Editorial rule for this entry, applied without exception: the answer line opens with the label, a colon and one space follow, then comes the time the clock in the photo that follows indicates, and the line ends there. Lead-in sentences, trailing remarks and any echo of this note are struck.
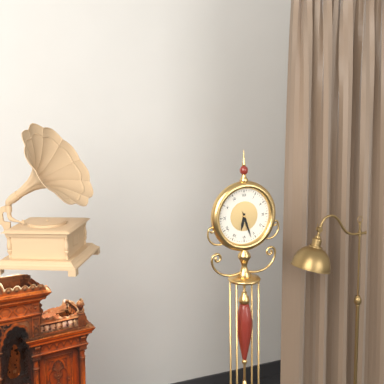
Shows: 6:27
